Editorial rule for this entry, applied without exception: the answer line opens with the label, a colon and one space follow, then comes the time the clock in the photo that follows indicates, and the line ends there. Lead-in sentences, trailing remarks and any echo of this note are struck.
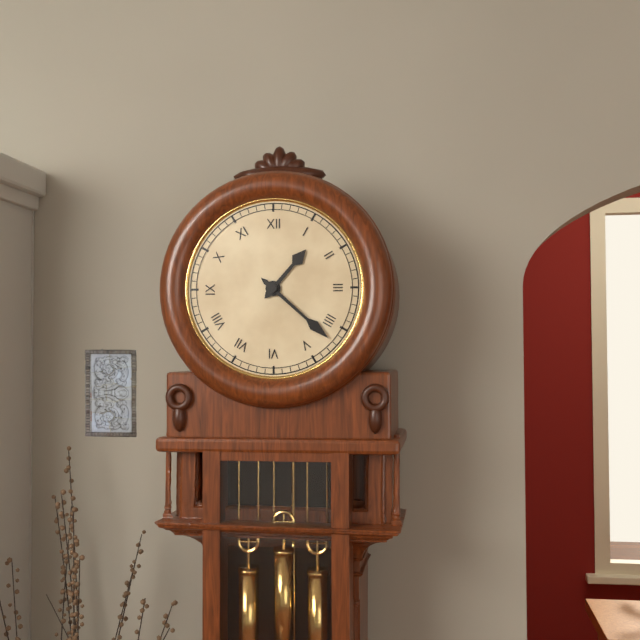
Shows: 1:22
